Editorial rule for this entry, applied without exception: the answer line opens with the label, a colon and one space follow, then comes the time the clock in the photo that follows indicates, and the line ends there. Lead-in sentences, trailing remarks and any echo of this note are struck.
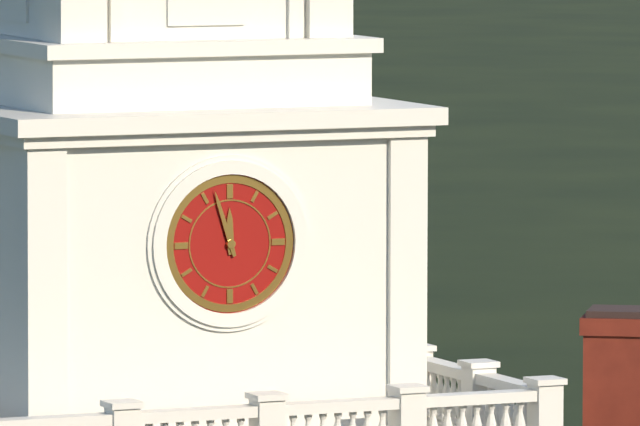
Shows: 11:57
